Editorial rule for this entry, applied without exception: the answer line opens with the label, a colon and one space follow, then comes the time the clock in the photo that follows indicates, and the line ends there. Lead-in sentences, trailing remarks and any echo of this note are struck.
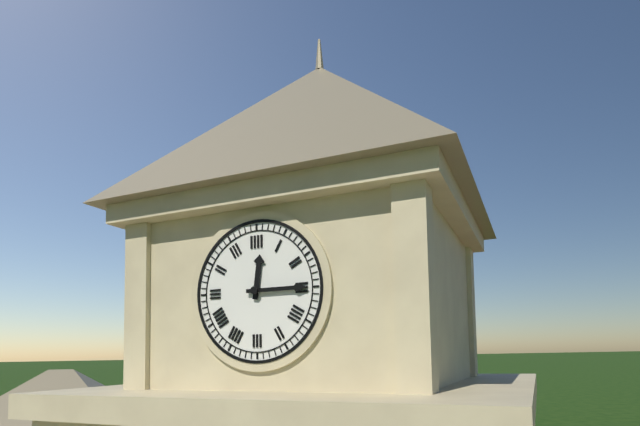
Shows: 12:15
